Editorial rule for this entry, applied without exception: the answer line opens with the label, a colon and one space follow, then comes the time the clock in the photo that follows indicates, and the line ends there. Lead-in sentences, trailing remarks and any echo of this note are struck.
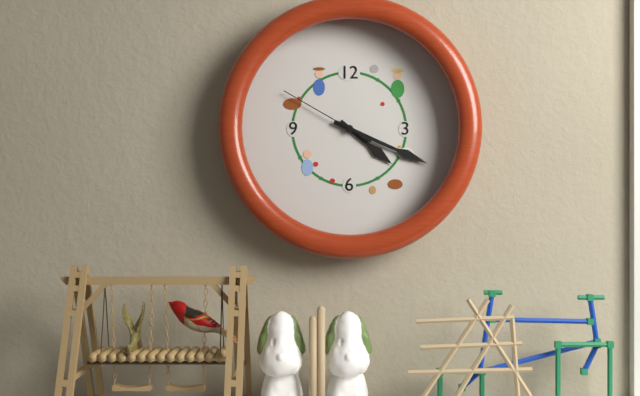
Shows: 4:19:50
